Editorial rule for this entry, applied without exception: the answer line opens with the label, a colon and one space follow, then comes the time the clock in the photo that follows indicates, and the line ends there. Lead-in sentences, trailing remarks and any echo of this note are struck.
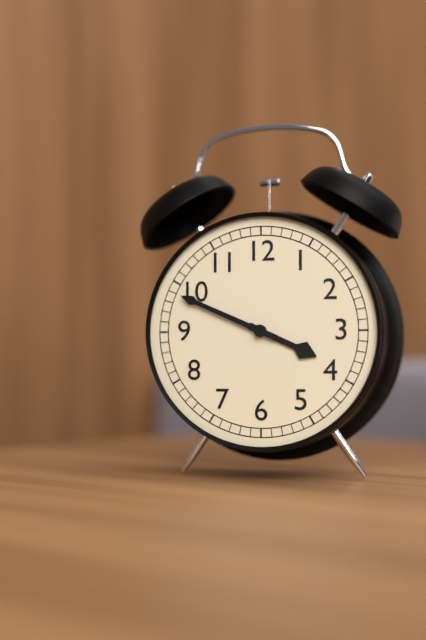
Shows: 3:49
